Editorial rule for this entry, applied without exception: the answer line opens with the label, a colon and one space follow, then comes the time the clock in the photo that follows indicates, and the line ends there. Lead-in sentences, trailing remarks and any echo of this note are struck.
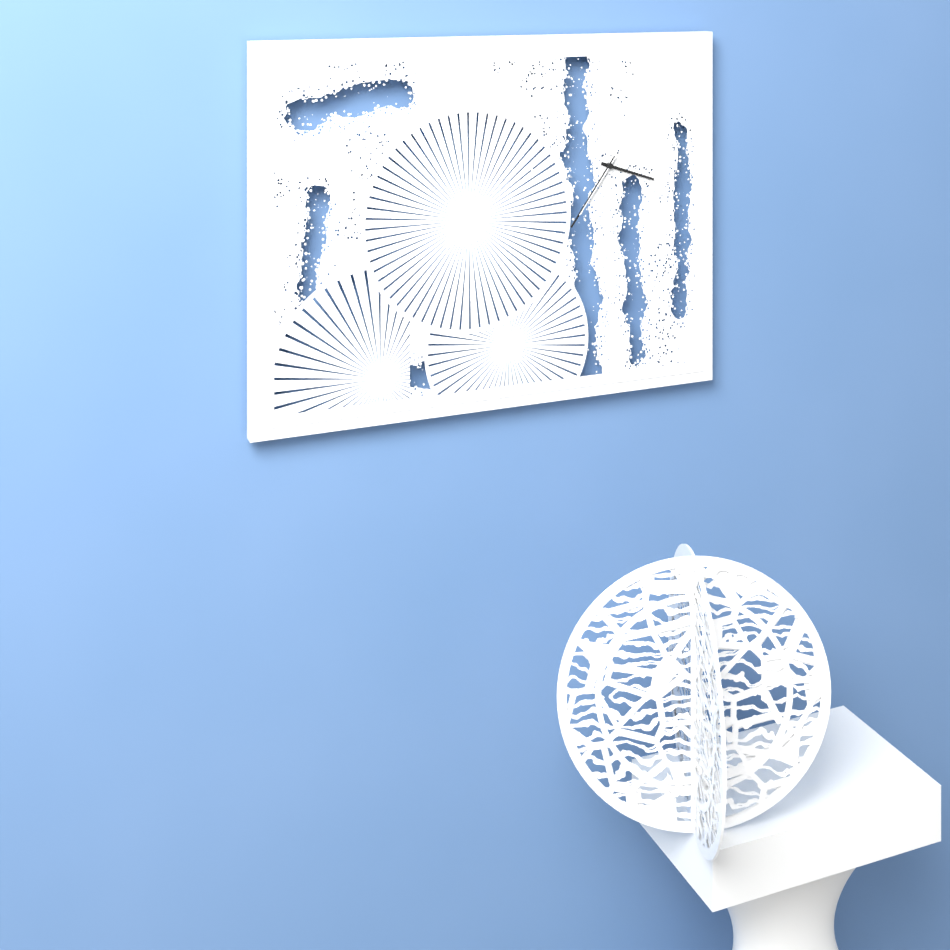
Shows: 3:36:36
